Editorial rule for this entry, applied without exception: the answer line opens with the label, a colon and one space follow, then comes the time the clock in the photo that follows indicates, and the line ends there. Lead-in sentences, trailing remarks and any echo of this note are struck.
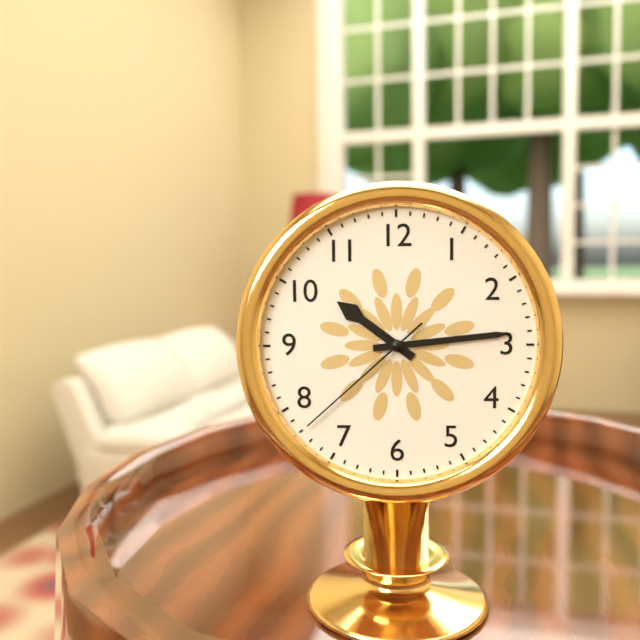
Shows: 10:14:38
